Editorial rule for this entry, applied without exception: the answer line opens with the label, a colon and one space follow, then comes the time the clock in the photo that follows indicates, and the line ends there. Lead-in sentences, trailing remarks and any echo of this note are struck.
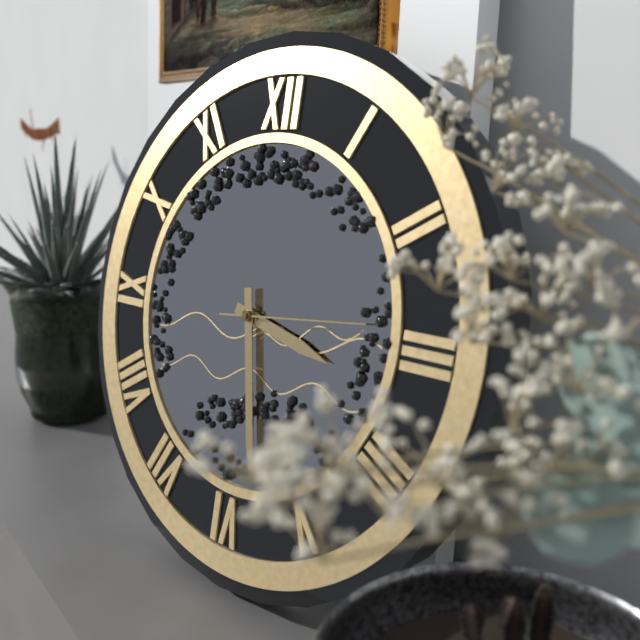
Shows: 3:28:14
